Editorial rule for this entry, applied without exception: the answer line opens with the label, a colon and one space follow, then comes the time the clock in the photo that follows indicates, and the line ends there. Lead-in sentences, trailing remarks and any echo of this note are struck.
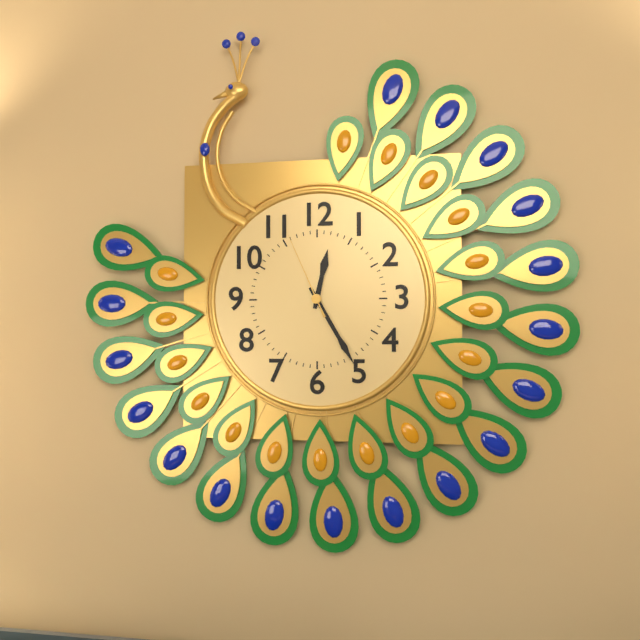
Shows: 12:25:56
